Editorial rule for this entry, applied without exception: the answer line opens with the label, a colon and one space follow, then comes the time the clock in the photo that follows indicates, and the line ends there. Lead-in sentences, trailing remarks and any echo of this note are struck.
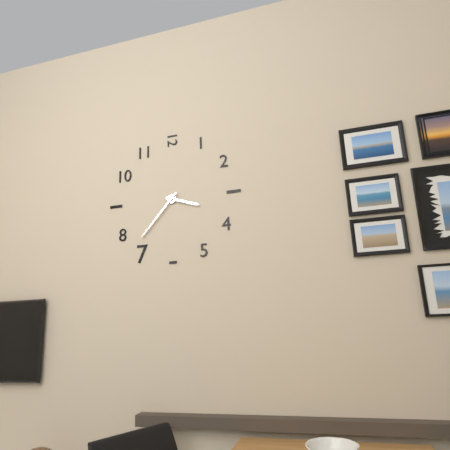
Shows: 3:37
